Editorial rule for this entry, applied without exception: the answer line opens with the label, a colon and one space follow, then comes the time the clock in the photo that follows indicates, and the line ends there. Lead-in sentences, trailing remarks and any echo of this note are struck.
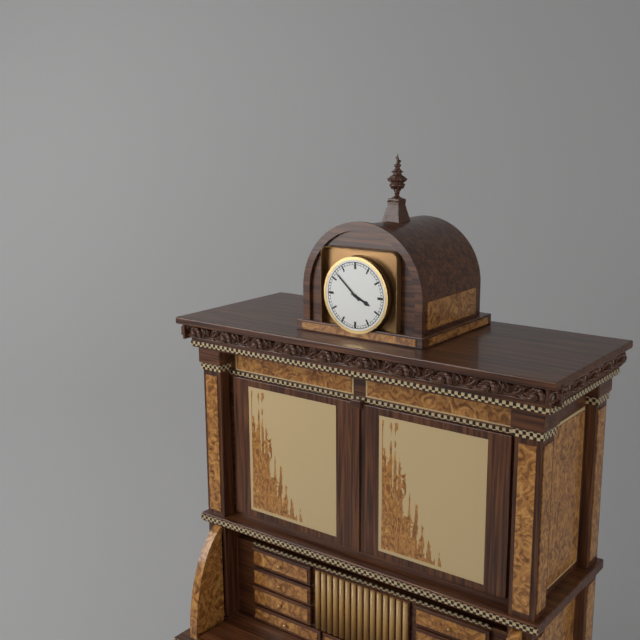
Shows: 3:52
